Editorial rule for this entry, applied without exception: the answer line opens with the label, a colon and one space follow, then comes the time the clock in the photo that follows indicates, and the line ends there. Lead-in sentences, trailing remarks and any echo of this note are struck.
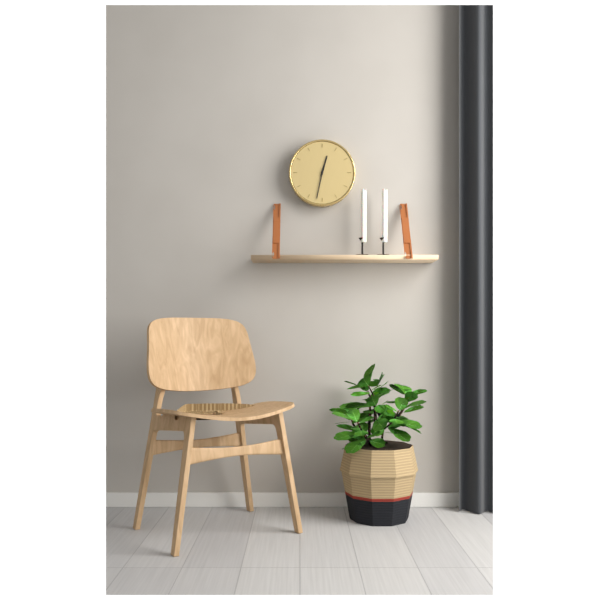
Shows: 12:32
